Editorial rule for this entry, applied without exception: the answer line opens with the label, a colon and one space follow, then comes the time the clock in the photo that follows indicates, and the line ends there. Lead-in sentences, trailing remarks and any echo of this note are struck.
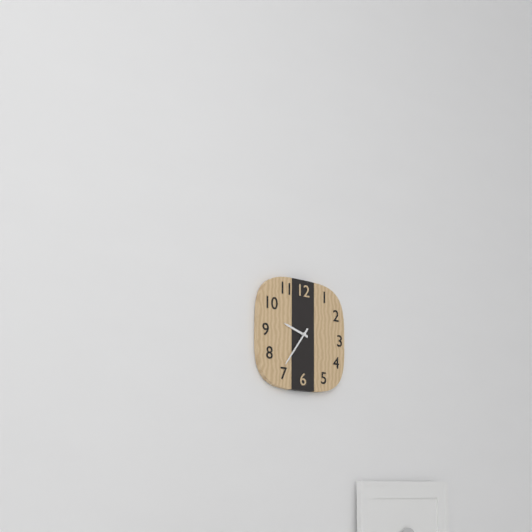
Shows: 9:36
